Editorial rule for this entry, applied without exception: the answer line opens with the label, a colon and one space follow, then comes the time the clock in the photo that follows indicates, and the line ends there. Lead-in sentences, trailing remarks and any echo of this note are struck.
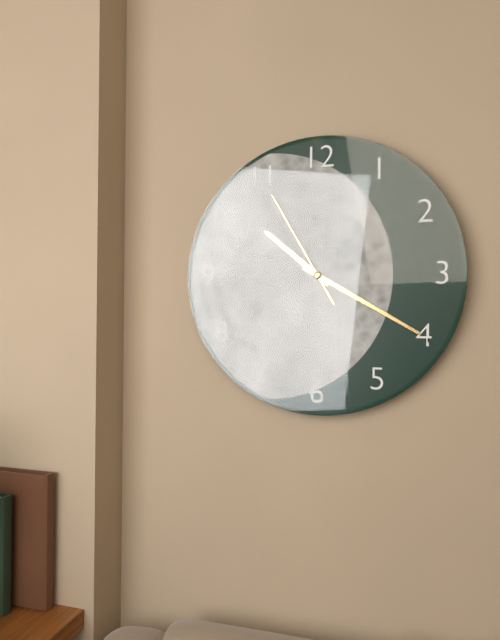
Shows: 10:20:55
